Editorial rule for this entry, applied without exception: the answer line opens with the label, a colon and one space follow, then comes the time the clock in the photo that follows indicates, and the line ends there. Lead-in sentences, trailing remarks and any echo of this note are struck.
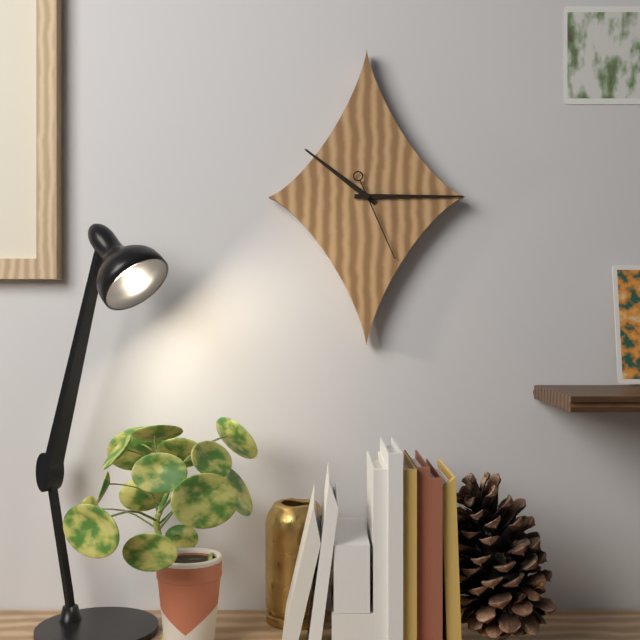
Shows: 10:15:26
